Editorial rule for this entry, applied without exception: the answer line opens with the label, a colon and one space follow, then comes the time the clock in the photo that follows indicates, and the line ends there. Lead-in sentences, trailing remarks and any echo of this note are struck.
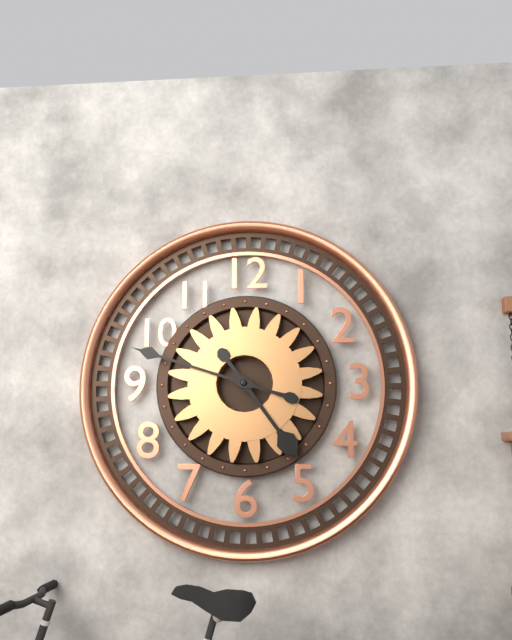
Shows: 4:48
